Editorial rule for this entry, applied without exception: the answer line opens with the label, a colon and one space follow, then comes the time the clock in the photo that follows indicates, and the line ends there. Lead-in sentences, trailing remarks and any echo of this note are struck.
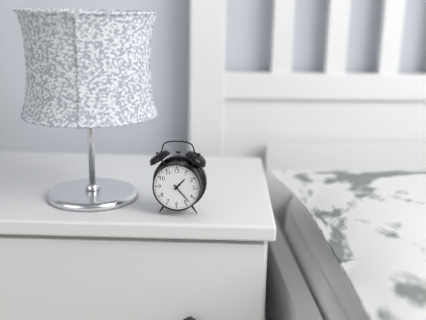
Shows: 1:23
